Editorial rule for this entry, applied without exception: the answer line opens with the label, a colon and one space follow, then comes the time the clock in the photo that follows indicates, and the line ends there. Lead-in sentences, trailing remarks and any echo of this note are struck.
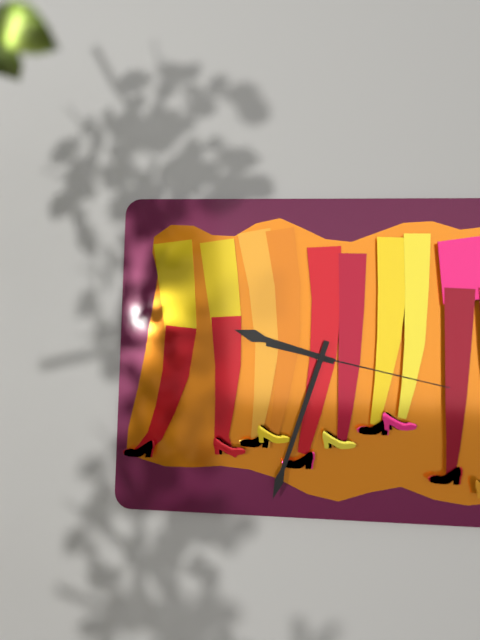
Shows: 9:33:17
